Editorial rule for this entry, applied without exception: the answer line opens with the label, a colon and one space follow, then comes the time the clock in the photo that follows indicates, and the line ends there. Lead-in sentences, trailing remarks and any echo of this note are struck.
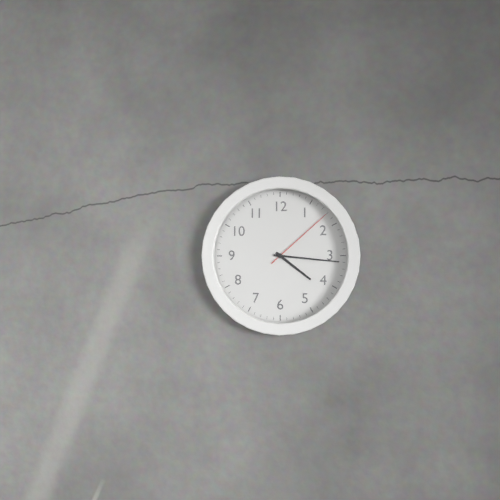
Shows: 4:16:08
